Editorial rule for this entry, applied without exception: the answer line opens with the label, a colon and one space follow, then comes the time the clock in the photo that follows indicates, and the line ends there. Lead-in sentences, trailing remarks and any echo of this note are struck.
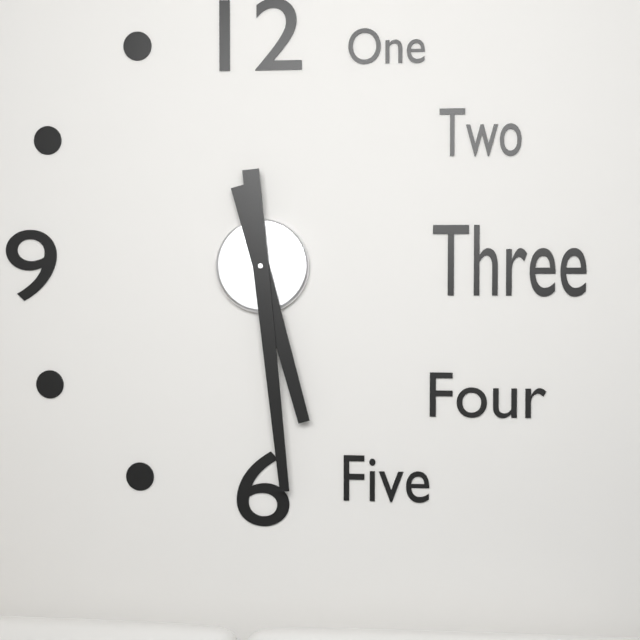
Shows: 5:29
